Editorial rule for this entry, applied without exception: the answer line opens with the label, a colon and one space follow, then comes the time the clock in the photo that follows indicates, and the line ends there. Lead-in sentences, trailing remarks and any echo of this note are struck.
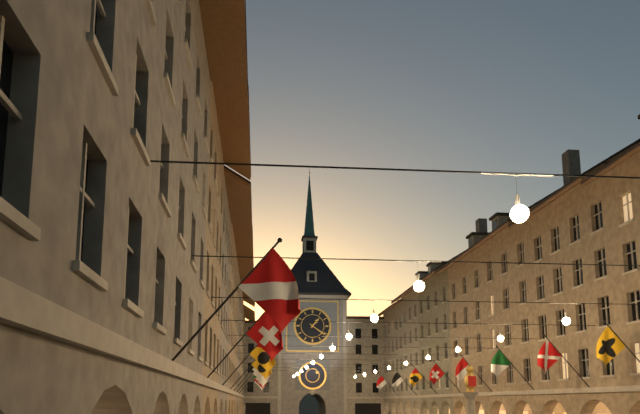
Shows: 1:21
